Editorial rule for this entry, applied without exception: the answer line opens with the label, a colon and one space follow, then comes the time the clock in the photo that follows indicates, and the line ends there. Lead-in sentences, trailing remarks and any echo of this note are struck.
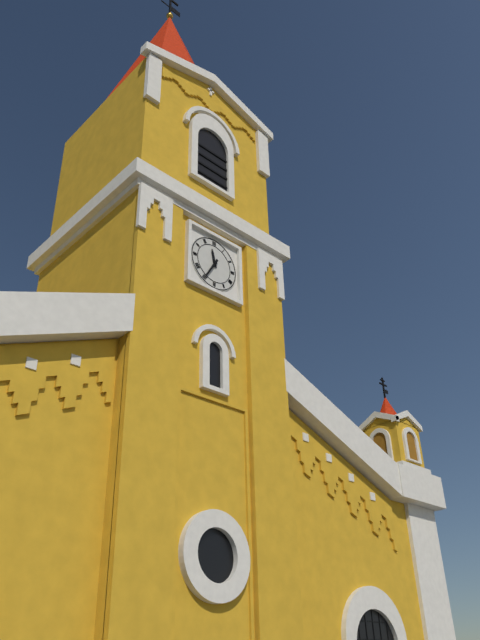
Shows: 11:35
